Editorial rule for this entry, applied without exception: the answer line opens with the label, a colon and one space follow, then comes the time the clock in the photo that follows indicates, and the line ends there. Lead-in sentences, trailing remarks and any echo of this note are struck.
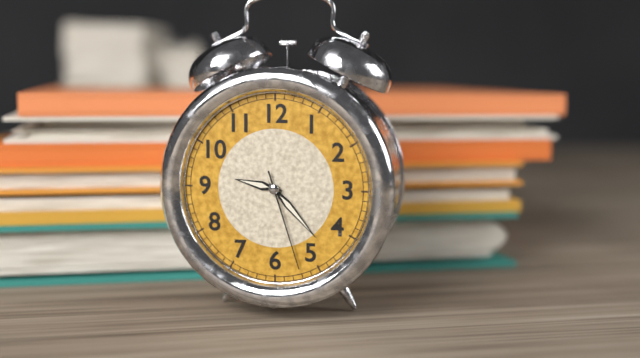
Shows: 9:23:27
